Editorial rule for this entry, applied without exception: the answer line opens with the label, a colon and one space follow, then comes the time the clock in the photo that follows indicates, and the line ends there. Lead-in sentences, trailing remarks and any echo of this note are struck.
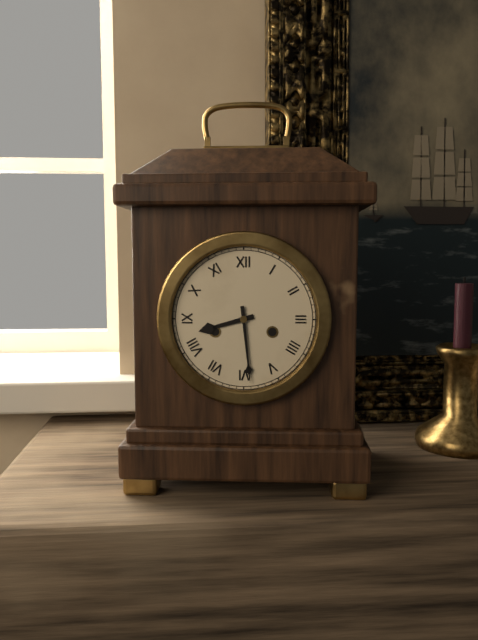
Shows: 8:29
